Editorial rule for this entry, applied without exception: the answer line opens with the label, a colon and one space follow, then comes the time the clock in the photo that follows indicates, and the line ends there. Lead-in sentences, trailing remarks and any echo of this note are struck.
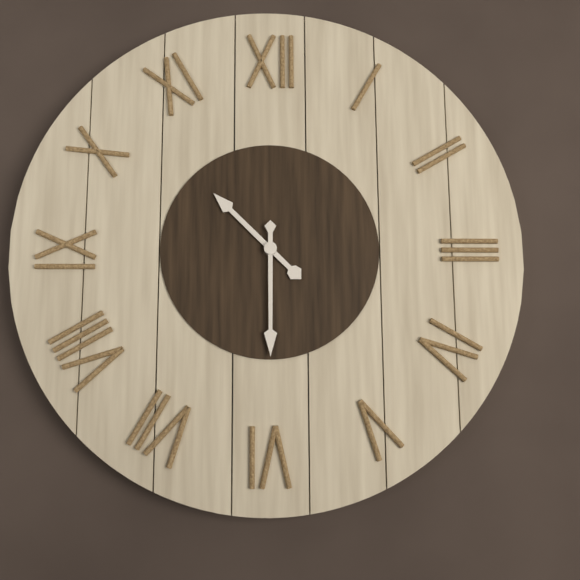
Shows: 10:30
